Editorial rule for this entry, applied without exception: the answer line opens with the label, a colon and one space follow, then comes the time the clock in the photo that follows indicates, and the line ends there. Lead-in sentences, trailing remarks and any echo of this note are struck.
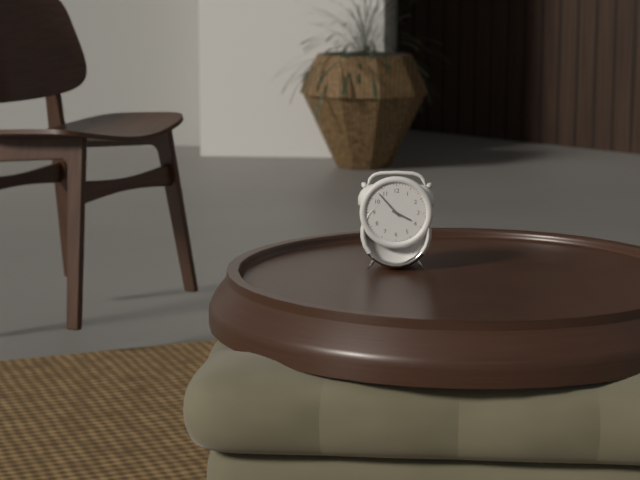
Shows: 3:53
